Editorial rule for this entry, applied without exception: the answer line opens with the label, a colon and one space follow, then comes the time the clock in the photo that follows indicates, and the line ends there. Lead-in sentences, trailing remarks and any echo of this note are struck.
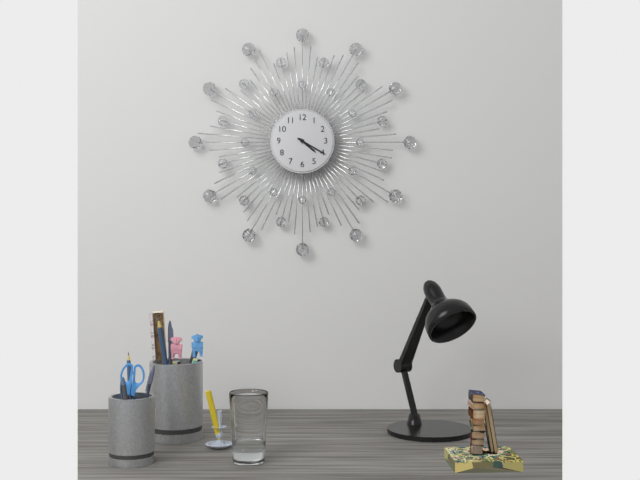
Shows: 4:20
